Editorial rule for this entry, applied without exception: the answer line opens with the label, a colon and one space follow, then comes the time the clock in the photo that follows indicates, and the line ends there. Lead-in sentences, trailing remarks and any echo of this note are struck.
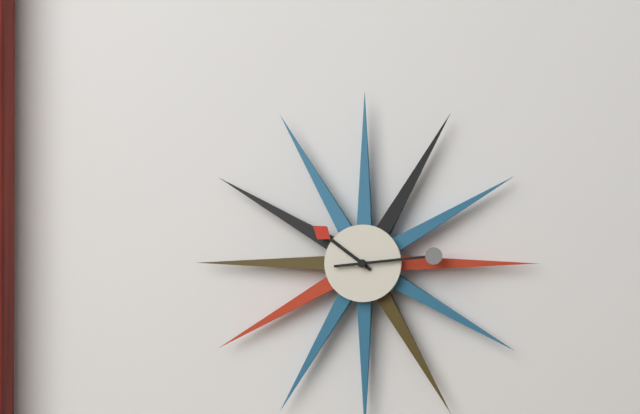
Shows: 10:14
